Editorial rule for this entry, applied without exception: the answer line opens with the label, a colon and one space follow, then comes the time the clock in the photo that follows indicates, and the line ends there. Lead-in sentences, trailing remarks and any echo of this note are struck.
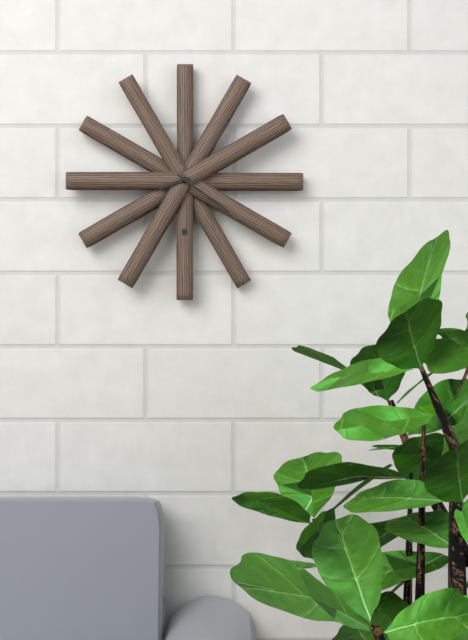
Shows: 8:21
